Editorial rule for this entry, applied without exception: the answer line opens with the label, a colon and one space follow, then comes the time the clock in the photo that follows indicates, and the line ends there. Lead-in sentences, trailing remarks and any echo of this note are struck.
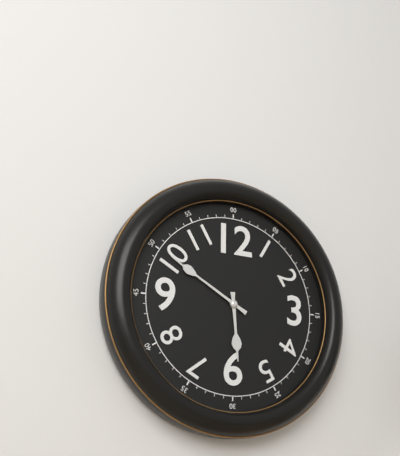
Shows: 5:50
